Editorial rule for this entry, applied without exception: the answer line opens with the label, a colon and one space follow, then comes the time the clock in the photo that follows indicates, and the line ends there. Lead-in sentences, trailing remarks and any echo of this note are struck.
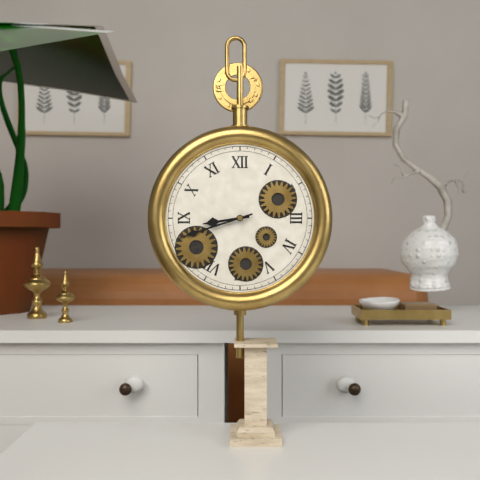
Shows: 8:42
